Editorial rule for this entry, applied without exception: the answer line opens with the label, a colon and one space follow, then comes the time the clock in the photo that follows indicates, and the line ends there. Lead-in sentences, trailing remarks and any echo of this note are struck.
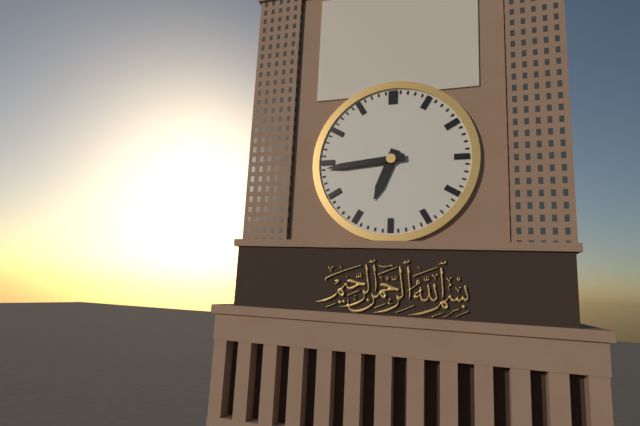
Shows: 6:44
